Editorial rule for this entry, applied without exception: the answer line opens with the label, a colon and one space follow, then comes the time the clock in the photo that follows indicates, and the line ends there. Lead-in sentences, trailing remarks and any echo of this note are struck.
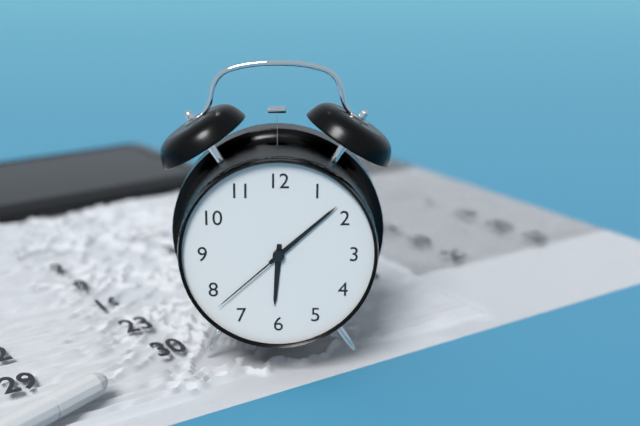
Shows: 6:08:38
